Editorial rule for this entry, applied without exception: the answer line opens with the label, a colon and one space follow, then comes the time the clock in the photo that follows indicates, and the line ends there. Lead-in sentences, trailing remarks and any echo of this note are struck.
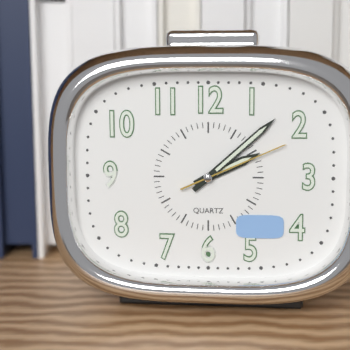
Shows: 2:08:11
